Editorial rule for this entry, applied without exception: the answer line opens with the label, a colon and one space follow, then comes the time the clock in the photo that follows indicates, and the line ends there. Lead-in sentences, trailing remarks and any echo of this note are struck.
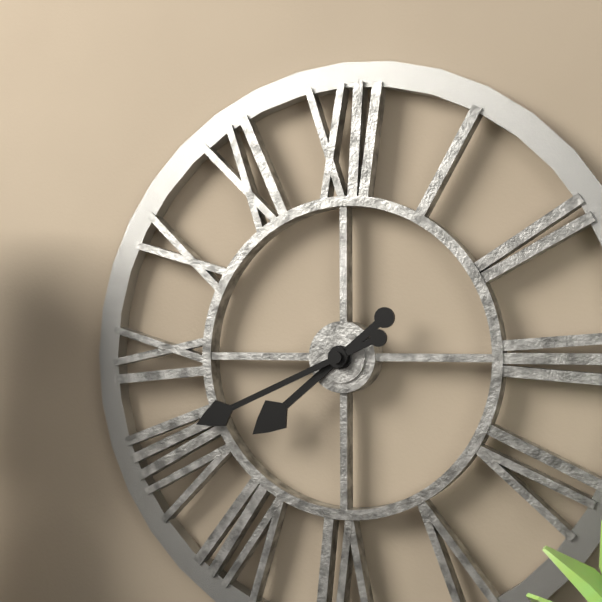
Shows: 7:41
